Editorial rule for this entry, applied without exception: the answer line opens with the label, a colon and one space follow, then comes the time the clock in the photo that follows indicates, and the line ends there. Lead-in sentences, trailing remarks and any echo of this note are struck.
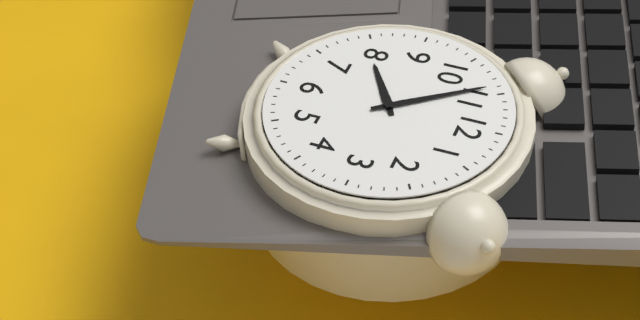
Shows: 7:54
